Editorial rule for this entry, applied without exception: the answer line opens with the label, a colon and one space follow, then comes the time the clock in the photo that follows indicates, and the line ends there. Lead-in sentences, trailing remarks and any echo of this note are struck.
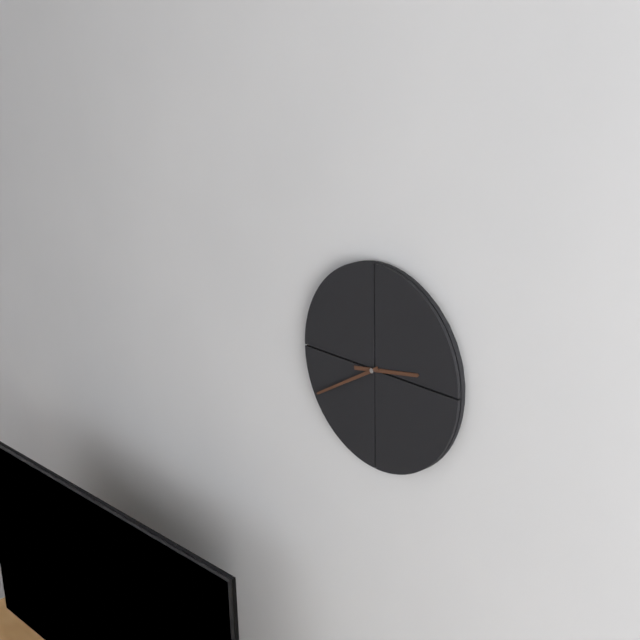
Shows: 2:40
